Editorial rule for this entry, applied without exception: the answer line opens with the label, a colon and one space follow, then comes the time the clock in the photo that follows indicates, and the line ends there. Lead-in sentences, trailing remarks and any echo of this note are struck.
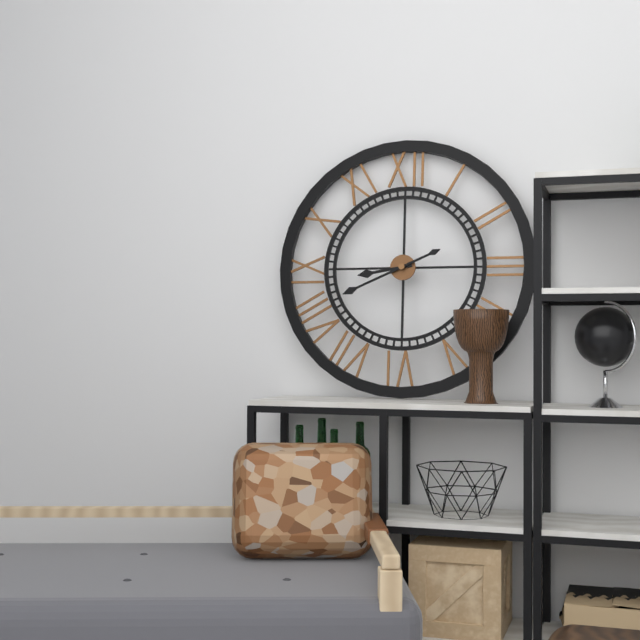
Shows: 8:41
